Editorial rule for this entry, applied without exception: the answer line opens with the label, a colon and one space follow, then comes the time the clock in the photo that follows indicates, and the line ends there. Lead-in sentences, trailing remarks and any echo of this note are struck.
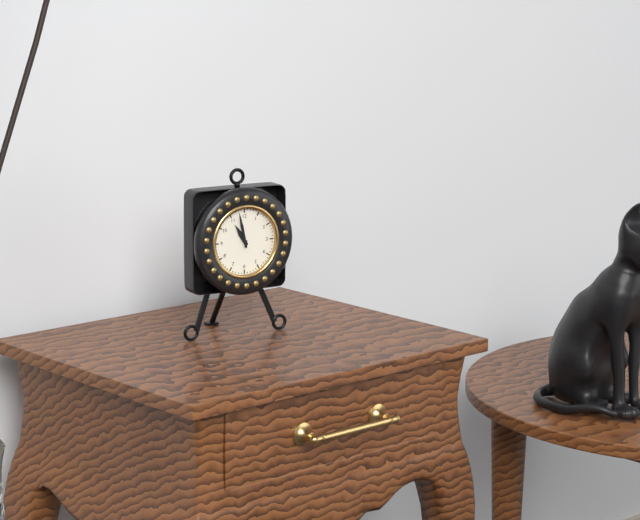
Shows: 10:58
